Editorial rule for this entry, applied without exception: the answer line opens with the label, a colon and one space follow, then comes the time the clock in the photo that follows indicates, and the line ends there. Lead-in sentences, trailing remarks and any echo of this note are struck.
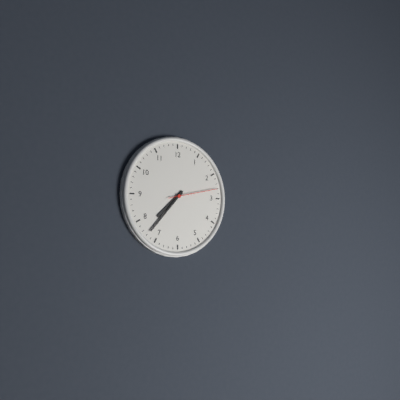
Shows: 7:37
